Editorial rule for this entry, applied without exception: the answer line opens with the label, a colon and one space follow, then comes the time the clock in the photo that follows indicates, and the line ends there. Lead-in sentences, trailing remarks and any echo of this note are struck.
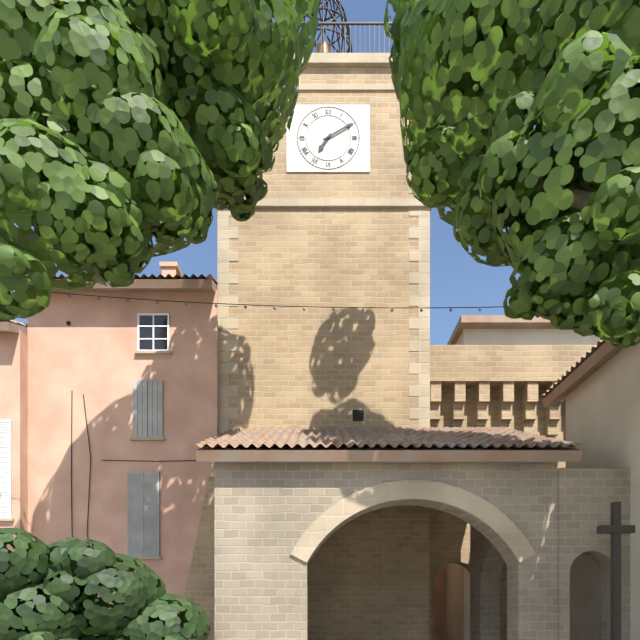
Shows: 7:10
